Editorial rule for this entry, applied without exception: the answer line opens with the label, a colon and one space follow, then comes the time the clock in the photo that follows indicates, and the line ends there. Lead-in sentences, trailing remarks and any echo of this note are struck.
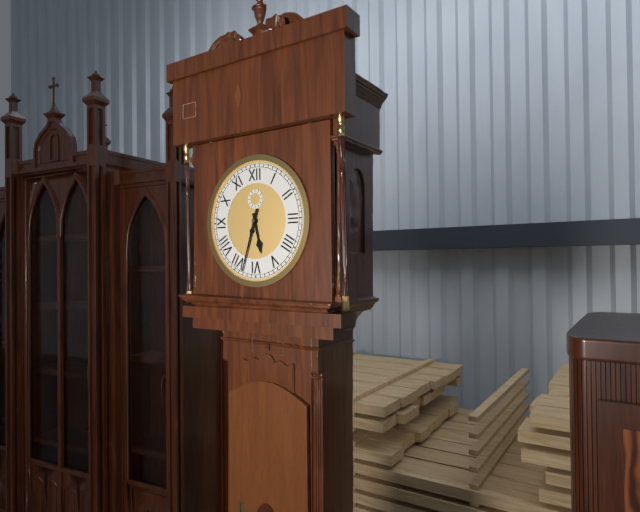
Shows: 5:33
